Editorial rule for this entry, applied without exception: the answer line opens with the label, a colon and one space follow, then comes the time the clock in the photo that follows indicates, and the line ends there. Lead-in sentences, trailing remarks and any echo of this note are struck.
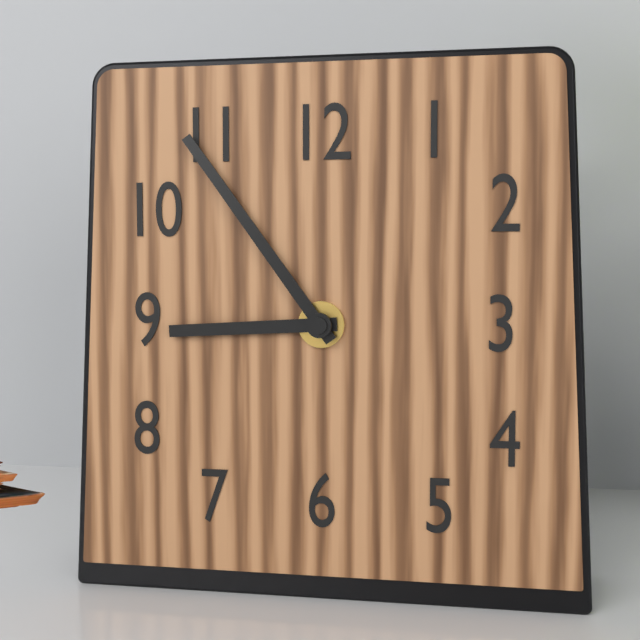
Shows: 8:54
